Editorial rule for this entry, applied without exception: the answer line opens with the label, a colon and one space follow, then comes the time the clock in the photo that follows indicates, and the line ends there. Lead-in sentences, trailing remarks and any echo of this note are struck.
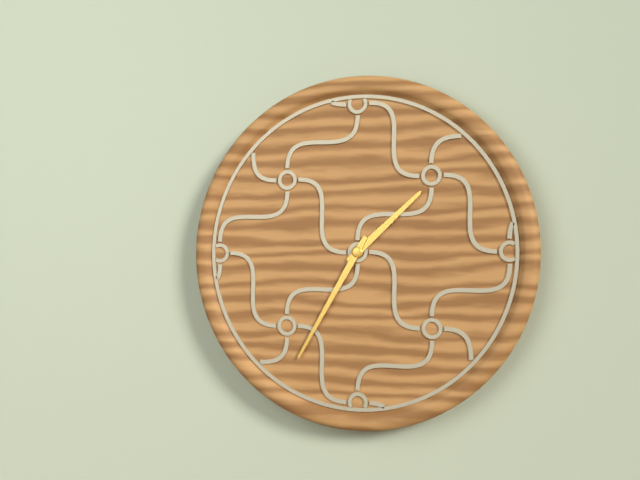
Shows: 1:35
